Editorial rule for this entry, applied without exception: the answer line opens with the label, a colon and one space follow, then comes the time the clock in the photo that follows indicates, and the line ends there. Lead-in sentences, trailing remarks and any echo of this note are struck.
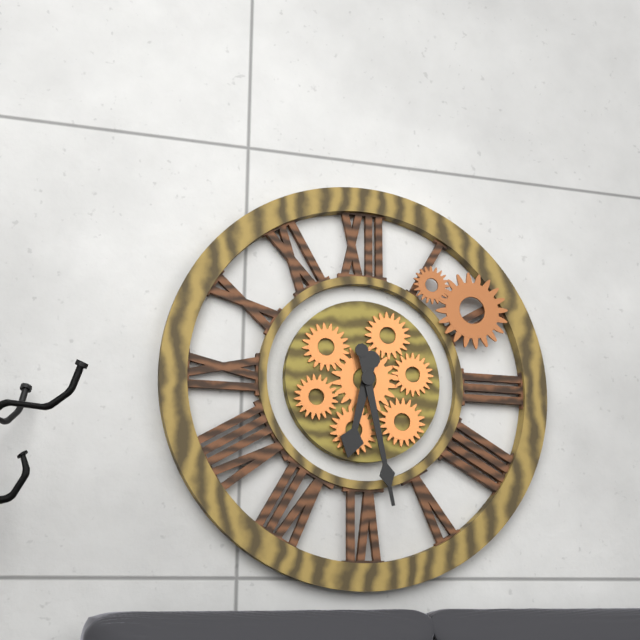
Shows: 6:28
